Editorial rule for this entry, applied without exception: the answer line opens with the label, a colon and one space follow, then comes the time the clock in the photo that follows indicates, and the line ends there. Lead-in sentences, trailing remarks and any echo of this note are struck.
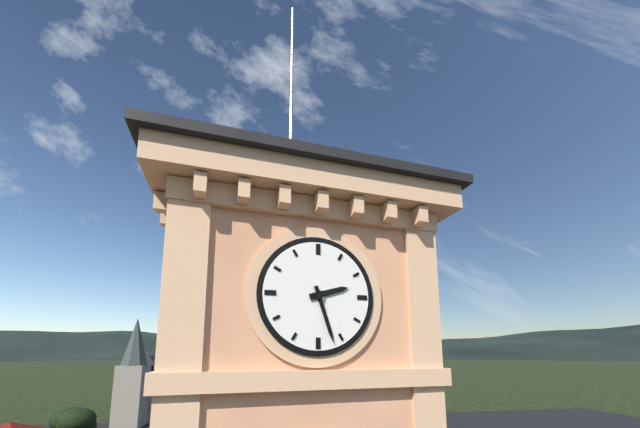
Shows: 2:27
